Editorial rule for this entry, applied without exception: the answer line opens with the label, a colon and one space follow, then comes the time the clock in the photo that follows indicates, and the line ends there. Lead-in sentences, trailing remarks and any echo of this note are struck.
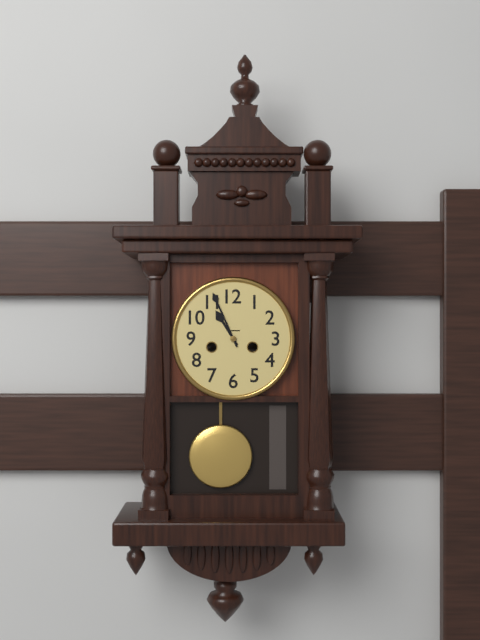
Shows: 10:56
